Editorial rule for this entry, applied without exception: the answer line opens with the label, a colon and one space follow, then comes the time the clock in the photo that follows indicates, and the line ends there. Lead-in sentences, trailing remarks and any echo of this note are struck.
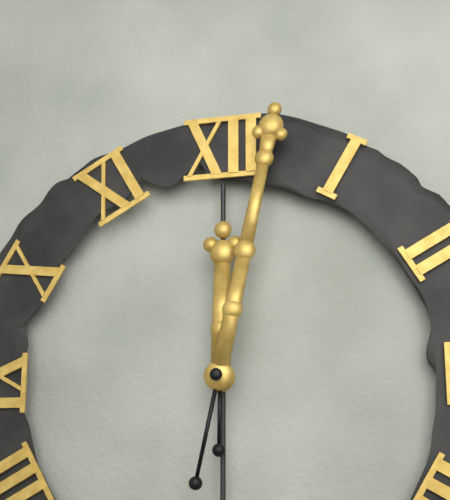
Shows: 12:02
